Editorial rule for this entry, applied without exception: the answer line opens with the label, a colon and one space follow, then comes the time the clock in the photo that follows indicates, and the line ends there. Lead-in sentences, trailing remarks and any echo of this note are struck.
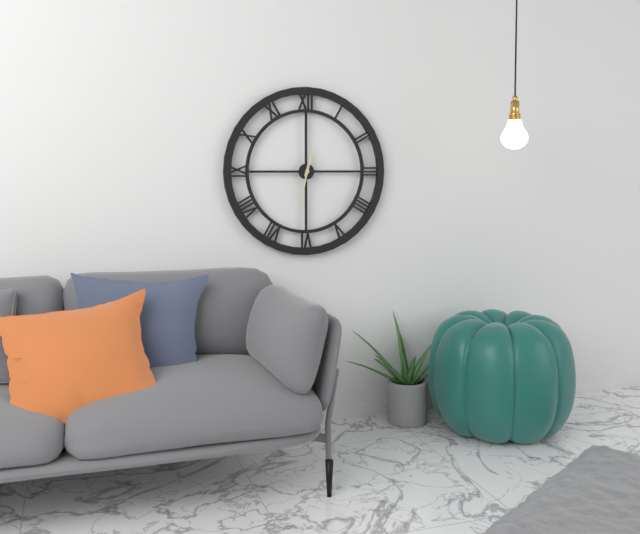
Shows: 12:32
